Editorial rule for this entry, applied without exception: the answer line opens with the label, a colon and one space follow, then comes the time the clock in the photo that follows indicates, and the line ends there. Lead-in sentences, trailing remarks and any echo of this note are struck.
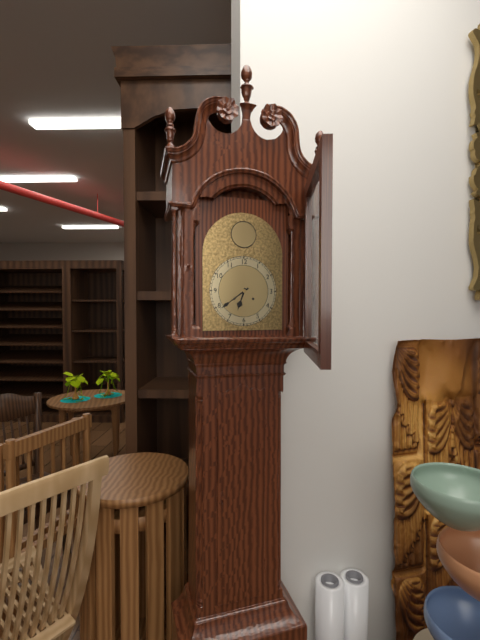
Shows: 6:39
